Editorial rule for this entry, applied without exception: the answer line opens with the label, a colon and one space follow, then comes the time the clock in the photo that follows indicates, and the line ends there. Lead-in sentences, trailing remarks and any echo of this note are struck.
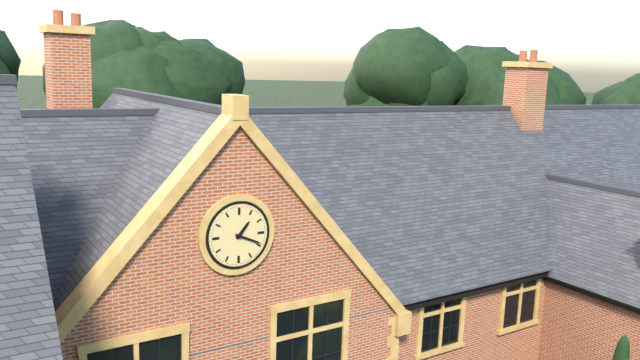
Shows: 1:19
